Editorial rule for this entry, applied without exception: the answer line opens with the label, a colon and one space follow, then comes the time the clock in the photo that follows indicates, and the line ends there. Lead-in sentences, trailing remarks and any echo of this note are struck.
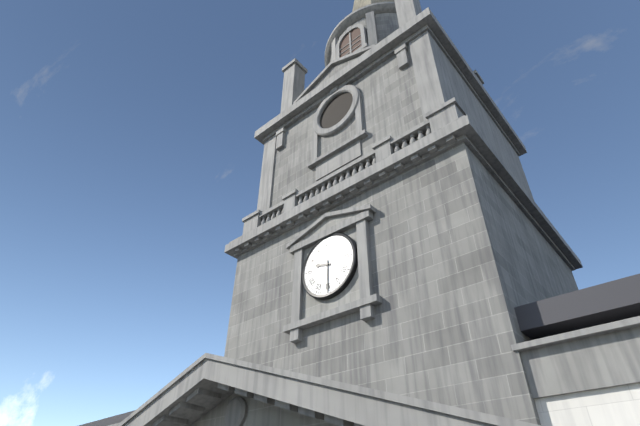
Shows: 9:30
